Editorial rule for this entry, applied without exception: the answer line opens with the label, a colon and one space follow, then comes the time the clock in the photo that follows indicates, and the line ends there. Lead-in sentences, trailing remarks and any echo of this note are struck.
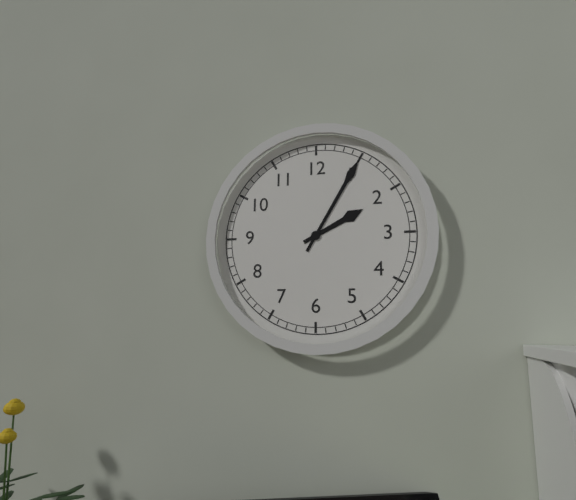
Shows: 2:05
